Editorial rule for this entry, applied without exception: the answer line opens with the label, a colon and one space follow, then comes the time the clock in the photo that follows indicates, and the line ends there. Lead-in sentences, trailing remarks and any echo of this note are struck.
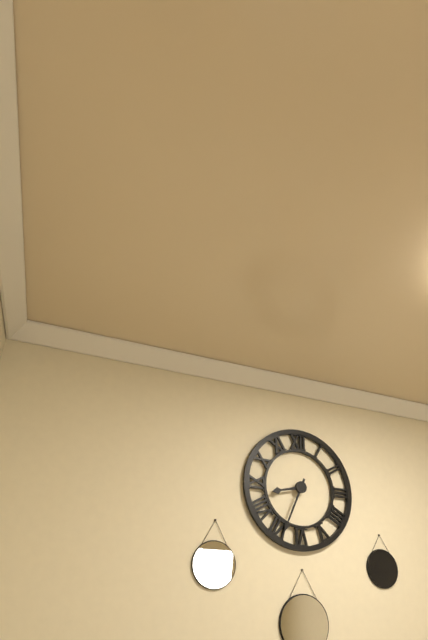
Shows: 8:34
